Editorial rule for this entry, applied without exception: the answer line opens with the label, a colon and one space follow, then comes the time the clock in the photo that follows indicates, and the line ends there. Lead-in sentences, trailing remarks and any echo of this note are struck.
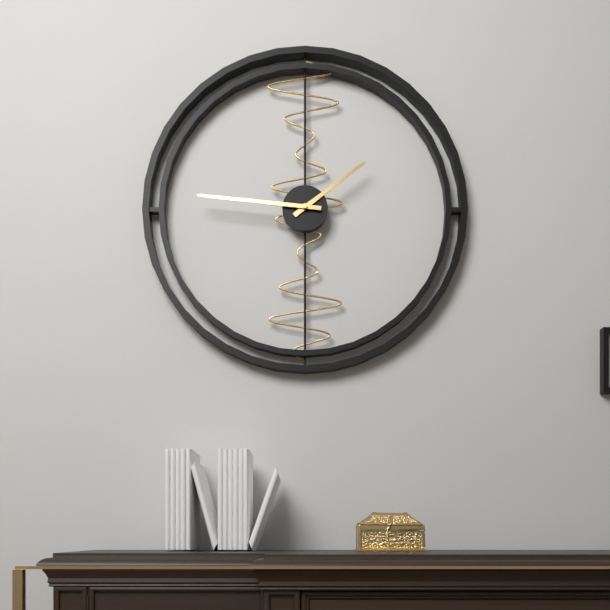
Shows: 1:46
